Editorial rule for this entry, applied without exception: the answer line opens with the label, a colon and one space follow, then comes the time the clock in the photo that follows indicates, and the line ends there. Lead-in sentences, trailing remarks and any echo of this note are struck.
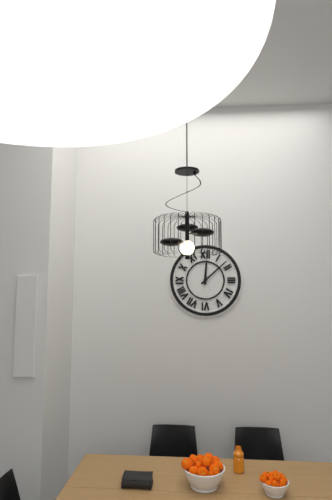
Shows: 12:08
